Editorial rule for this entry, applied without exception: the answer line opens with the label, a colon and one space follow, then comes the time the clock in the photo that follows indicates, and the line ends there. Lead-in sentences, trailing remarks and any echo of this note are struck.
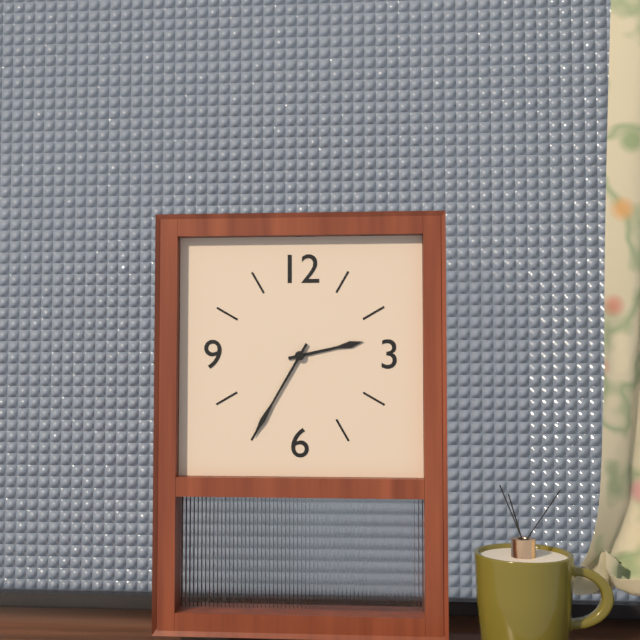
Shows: 2:35
